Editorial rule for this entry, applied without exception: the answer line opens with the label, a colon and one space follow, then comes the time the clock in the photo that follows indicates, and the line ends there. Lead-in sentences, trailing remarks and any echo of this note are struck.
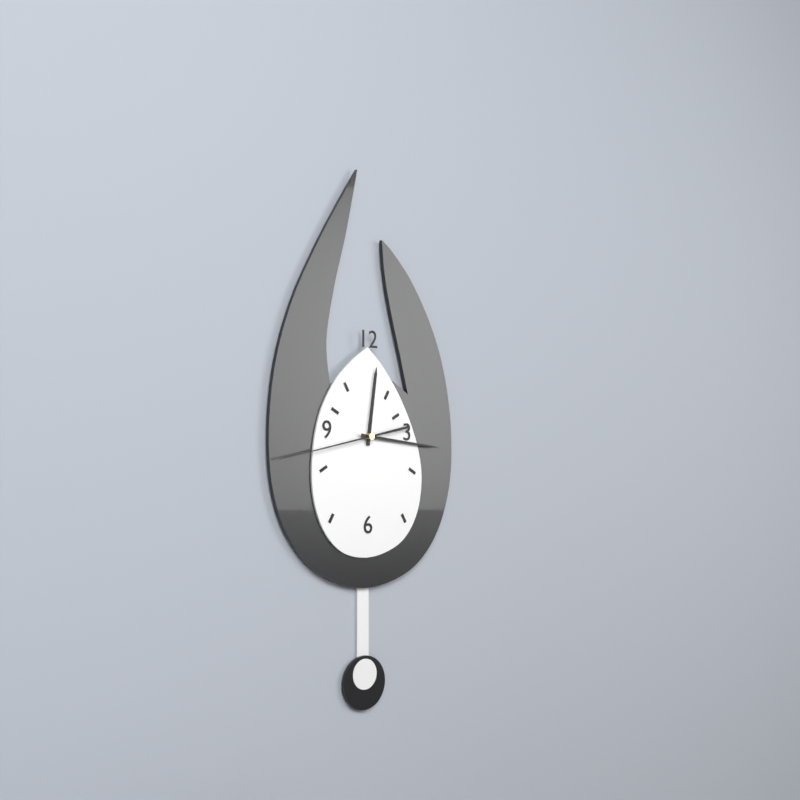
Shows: 12:16:43
